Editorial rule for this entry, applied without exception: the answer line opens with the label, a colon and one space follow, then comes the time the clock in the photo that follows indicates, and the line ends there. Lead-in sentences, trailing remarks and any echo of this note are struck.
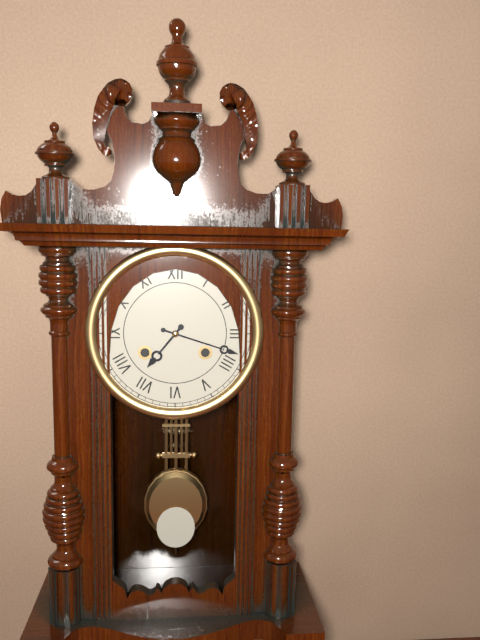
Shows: 7:18
